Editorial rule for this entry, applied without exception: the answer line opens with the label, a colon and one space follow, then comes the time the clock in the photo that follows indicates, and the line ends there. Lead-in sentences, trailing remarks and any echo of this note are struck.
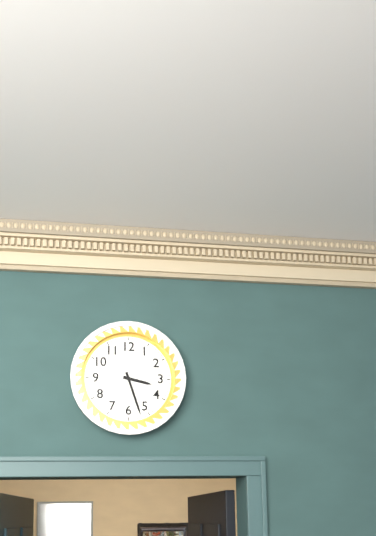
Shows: 3:27
